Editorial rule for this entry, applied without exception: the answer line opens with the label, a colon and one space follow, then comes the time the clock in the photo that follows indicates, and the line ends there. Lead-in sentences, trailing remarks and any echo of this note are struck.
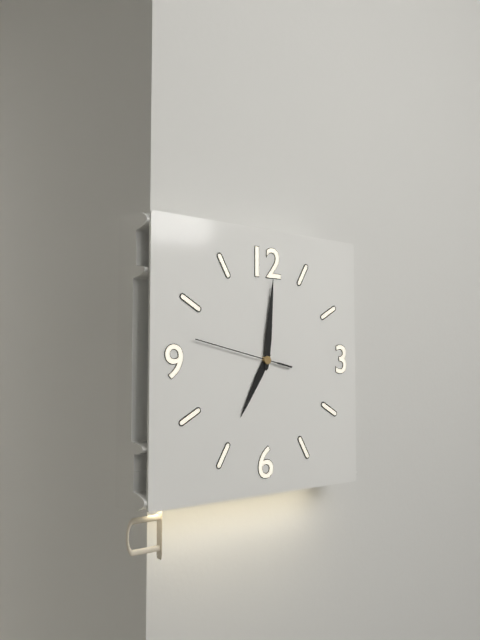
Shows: 7:01:47
